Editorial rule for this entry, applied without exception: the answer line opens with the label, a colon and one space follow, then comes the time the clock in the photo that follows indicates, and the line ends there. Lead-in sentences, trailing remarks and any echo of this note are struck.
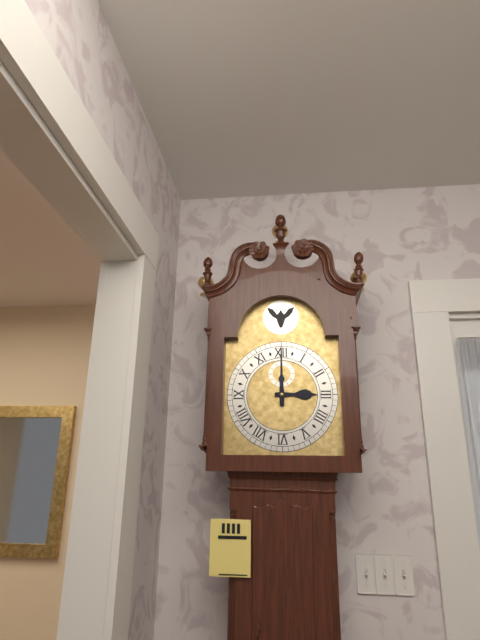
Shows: 3:00
